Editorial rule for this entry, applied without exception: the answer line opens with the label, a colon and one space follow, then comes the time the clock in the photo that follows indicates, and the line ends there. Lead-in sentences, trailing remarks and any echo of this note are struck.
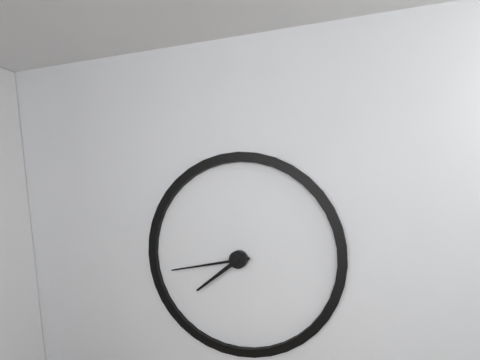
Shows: 7:43
